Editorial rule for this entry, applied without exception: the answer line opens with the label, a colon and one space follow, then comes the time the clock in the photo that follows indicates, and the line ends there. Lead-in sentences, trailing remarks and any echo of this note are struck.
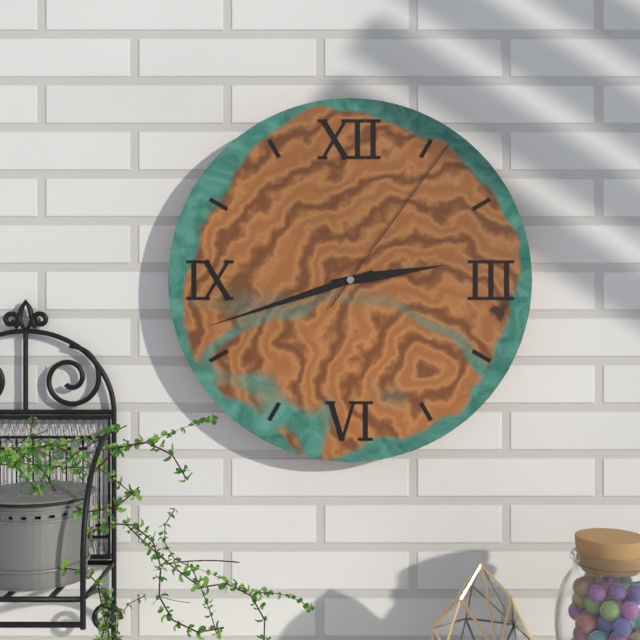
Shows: 2:42:06
